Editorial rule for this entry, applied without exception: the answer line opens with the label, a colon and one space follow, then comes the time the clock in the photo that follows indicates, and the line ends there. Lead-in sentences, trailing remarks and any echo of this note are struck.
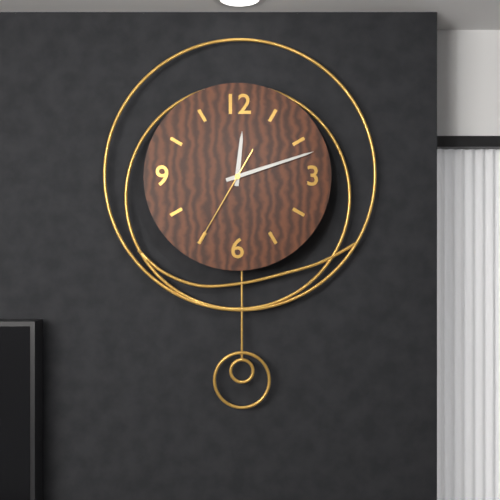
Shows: 12:12:35
